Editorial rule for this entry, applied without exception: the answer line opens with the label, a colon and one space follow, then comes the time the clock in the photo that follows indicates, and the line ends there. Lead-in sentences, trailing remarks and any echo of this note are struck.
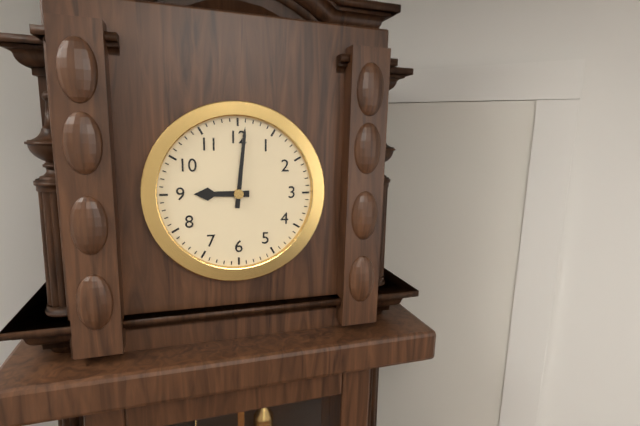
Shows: 9:01
